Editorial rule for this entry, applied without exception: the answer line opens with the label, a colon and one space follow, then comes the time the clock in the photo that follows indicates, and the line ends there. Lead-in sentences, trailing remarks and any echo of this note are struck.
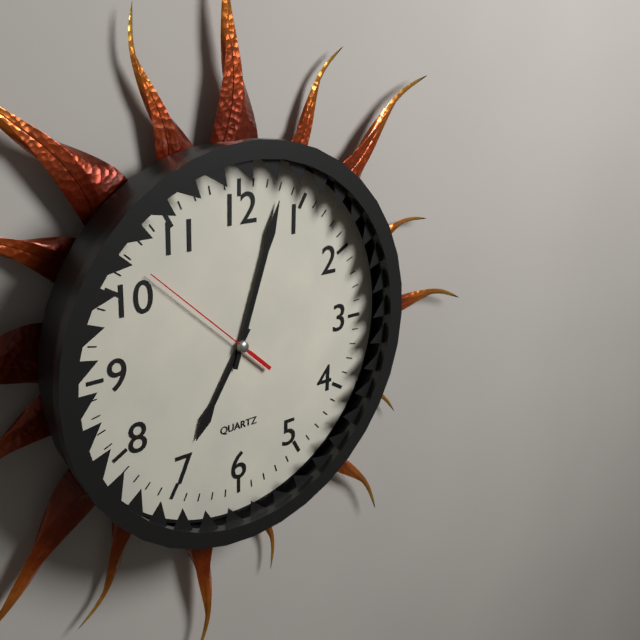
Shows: 7:03:52
